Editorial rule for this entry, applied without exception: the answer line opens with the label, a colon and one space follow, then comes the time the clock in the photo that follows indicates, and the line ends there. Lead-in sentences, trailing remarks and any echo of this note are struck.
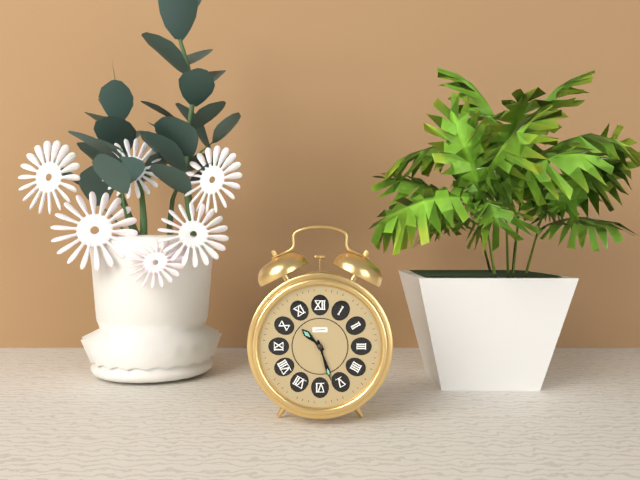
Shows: 10:27
